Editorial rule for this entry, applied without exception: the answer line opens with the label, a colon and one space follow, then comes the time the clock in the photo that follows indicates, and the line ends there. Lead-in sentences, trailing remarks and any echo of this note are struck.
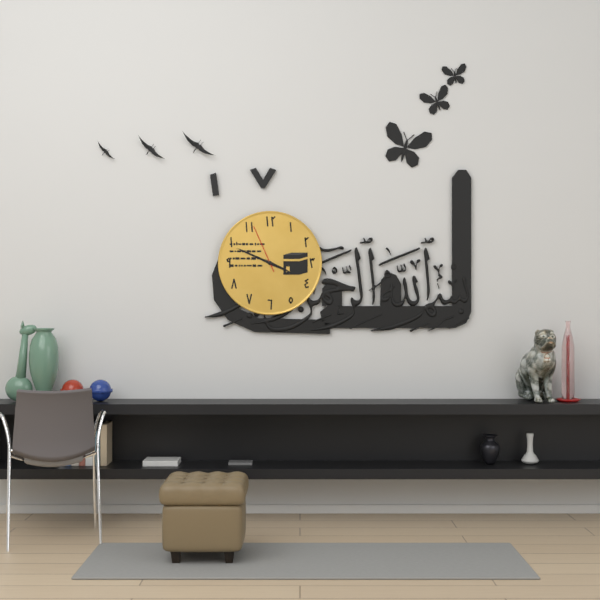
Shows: 3:49:56
